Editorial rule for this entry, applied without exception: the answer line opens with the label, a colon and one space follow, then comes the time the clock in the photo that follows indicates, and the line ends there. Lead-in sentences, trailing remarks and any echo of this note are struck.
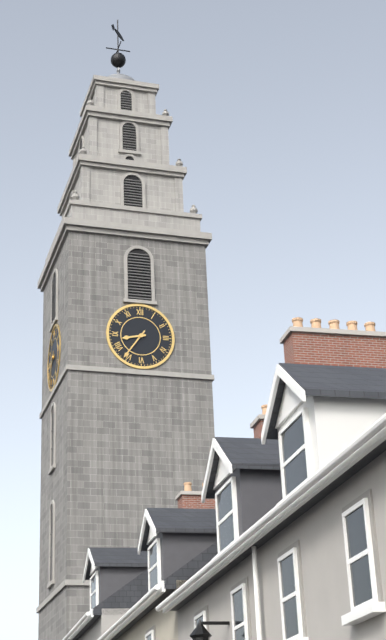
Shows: 8:36
